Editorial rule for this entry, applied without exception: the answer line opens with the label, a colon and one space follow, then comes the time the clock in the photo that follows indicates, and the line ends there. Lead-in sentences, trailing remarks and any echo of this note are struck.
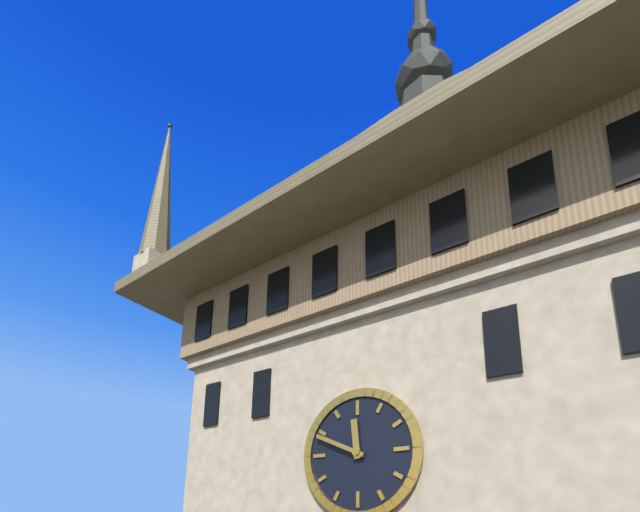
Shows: 11:49
